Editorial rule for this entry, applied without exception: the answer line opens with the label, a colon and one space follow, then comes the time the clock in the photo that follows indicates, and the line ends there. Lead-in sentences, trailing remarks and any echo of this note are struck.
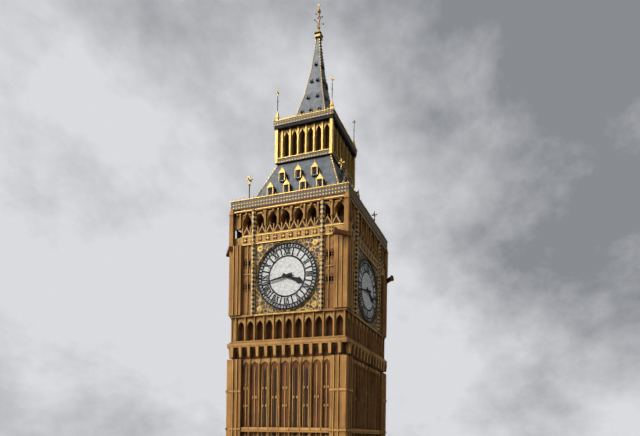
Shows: 3:43
